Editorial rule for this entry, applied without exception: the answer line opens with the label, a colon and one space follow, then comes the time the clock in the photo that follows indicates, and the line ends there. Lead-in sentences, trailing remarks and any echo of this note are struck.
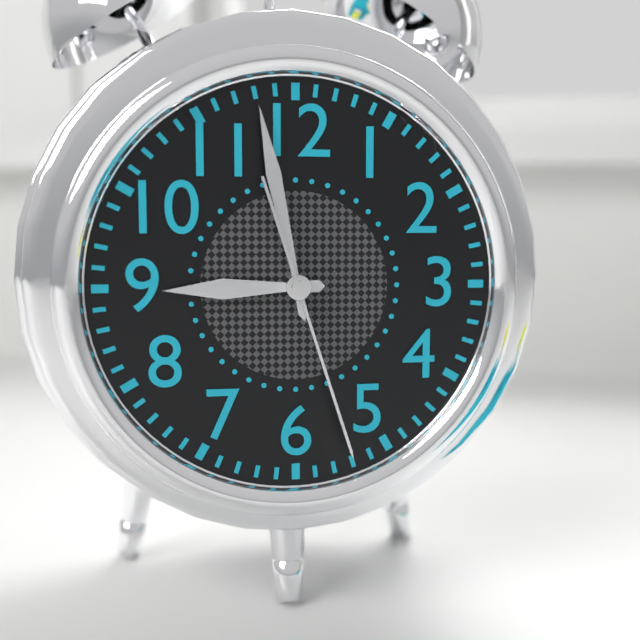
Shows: 8:58:27
